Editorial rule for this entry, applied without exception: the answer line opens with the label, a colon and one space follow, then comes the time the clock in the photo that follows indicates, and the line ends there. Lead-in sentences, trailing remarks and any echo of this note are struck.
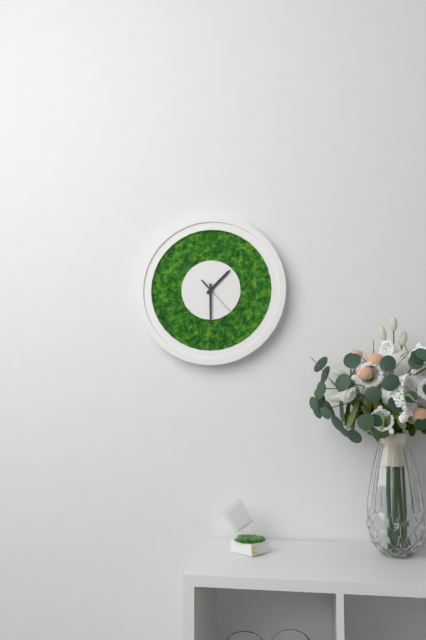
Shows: 1:30
